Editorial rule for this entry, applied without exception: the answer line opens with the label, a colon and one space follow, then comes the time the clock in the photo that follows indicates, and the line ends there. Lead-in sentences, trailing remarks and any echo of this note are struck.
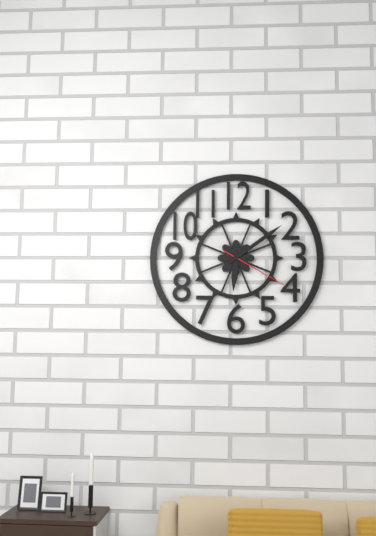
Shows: 6:09:20
